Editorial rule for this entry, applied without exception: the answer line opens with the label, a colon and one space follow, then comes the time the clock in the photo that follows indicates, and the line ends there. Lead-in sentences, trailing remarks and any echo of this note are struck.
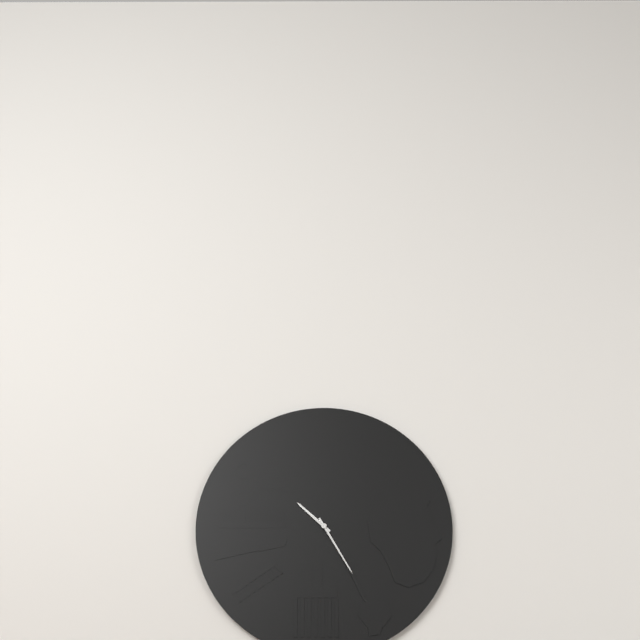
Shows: 10:25
